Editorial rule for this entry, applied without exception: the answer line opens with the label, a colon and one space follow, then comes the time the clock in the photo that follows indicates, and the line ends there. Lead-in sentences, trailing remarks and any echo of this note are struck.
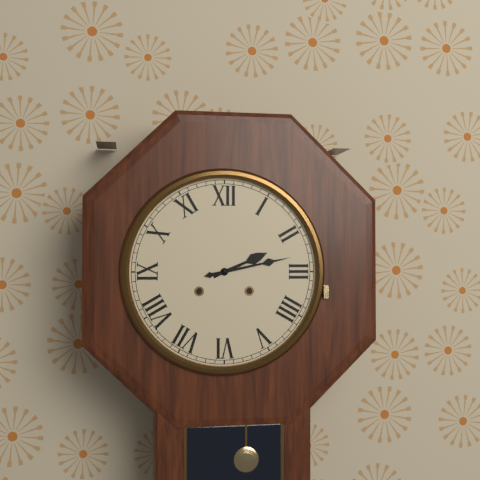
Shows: 2:13
